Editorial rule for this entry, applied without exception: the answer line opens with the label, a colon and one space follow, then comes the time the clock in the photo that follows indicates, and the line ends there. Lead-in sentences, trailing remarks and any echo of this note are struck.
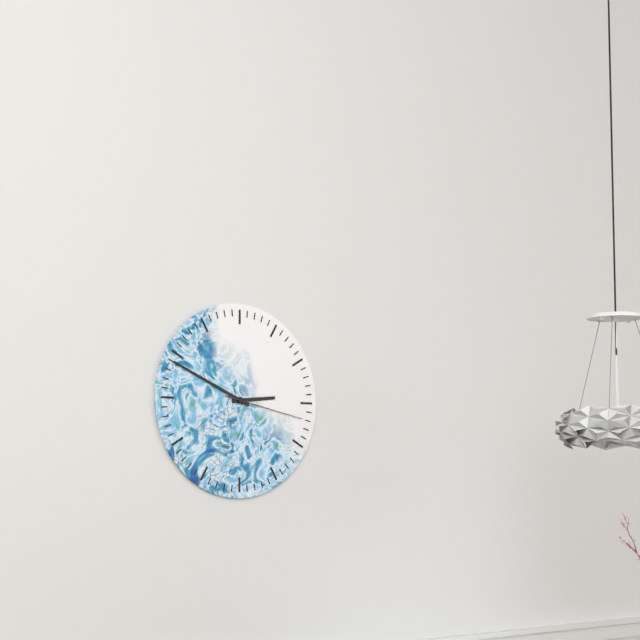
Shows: 2:49:17
